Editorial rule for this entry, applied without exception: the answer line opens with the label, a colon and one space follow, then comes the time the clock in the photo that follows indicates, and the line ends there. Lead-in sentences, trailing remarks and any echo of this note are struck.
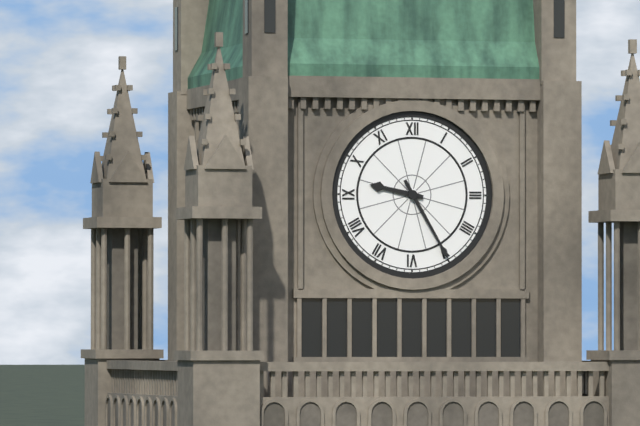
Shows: 9:25
